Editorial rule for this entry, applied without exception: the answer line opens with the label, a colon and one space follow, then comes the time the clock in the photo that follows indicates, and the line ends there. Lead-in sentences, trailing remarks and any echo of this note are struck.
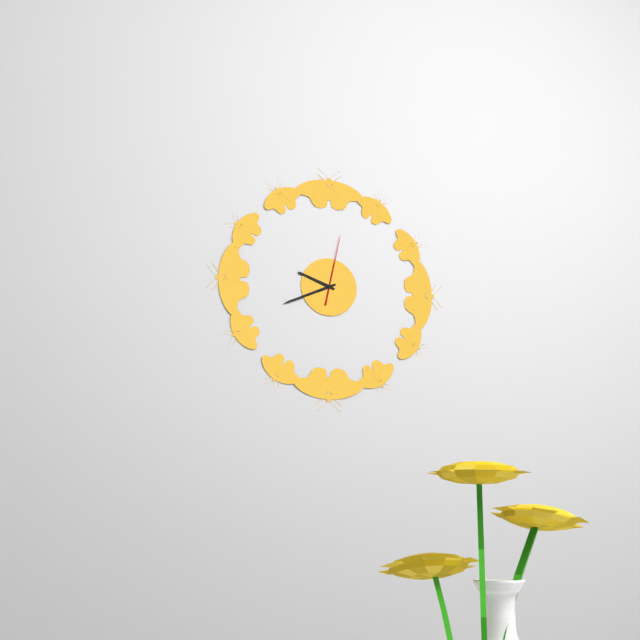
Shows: 9:41:02
